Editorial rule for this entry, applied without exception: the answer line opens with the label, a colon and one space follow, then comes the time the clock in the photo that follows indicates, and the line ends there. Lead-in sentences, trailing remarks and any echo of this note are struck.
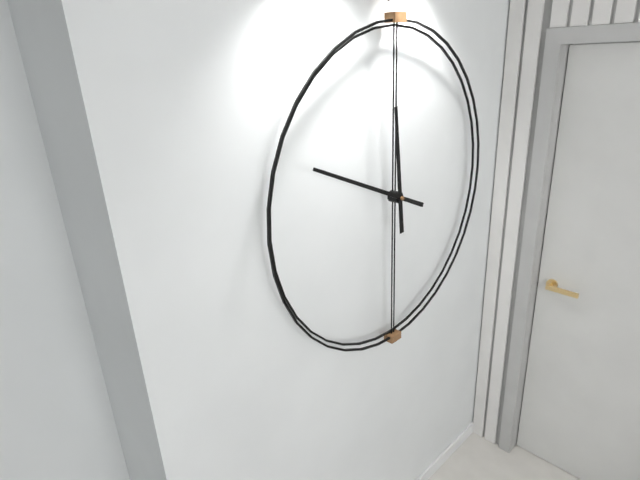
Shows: 11:49
